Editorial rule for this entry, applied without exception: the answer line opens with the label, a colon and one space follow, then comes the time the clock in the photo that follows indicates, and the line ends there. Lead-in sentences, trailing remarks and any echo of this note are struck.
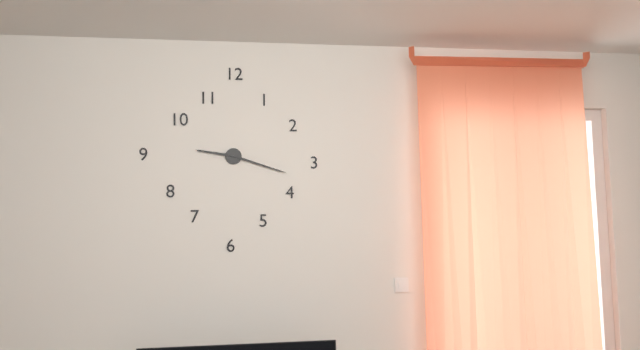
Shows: 9:18
